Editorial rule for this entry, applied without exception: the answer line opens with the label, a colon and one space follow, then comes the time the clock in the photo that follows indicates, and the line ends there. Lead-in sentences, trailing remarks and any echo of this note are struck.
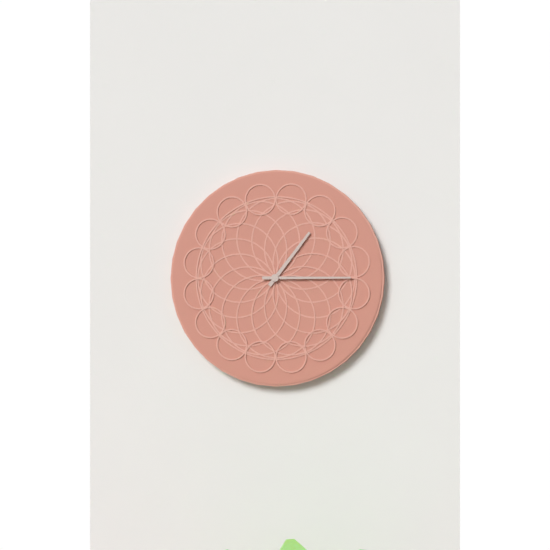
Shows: 1:15
